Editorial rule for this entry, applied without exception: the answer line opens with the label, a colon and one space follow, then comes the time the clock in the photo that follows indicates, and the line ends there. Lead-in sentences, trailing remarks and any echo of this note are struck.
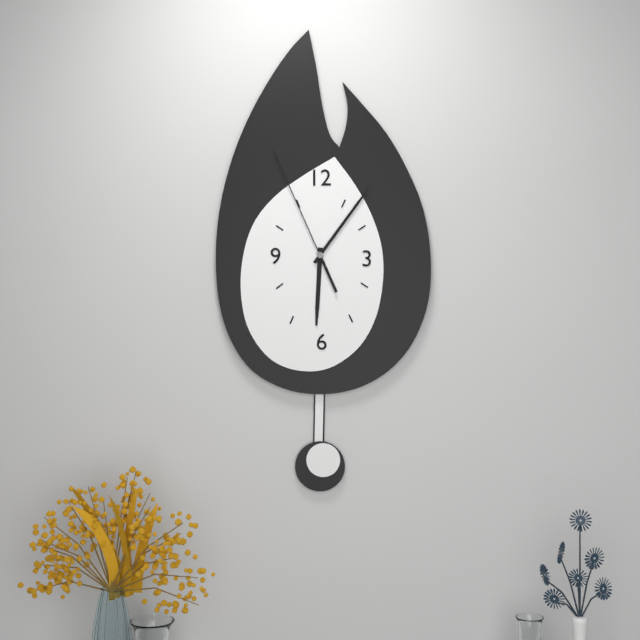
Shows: 6:06:56
